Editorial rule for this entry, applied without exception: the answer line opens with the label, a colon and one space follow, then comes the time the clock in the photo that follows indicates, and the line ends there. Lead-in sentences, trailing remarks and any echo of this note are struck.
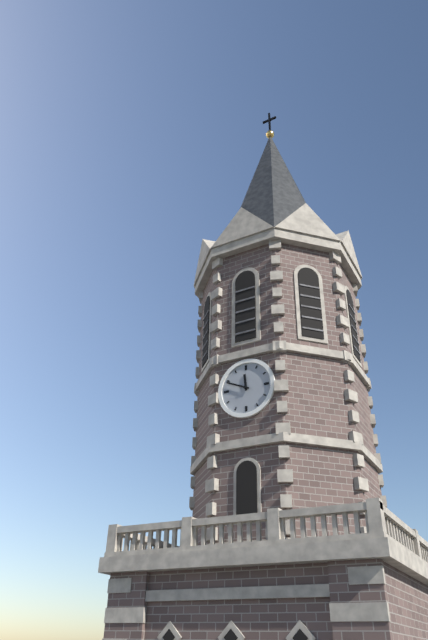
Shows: 11:49
